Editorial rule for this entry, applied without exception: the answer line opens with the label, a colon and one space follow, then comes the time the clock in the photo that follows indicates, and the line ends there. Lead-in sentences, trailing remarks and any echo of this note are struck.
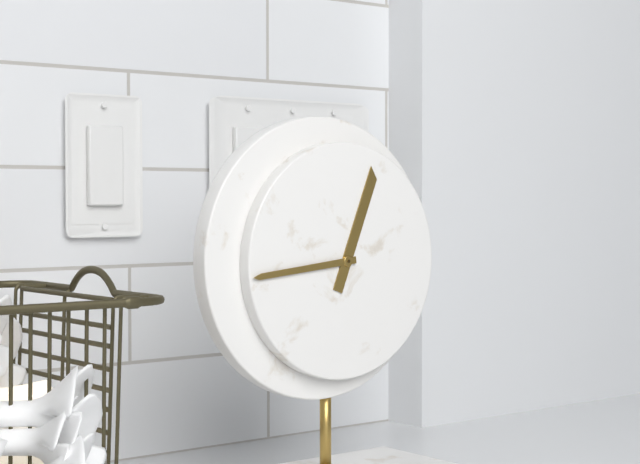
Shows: 12:44
